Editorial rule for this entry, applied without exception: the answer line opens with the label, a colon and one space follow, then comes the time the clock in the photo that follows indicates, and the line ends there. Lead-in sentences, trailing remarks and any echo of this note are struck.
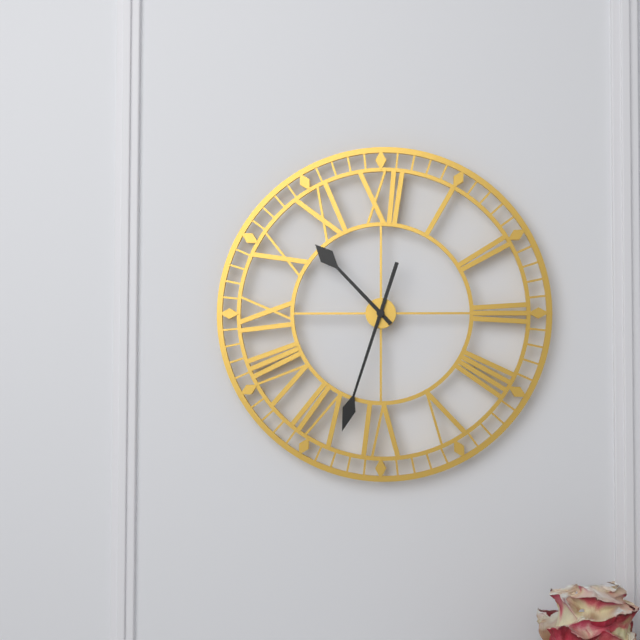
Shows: 10:33
